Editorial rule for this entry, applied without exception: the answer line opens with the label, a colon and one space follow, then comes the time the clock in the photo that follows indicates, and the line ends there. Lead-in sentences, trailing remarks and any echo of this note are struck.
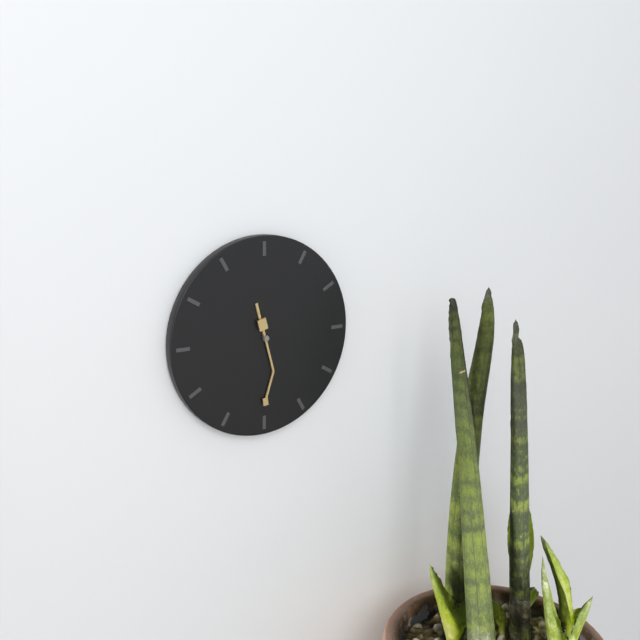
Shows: 11:30
